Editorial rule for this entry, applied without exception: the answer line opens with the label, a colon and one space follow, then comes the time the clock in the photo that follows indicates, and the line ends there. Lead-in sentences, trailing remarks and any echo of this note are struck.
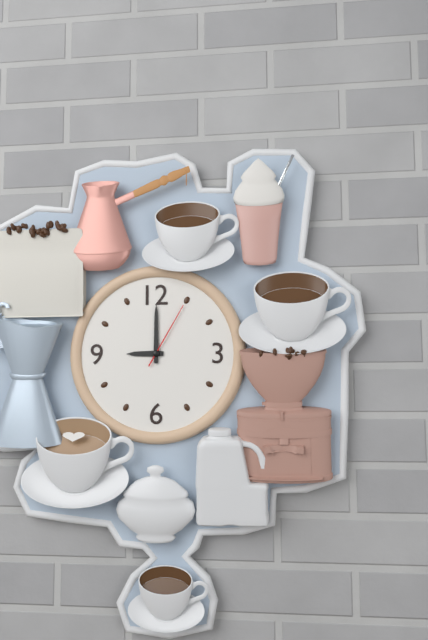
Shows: 9:00:05
